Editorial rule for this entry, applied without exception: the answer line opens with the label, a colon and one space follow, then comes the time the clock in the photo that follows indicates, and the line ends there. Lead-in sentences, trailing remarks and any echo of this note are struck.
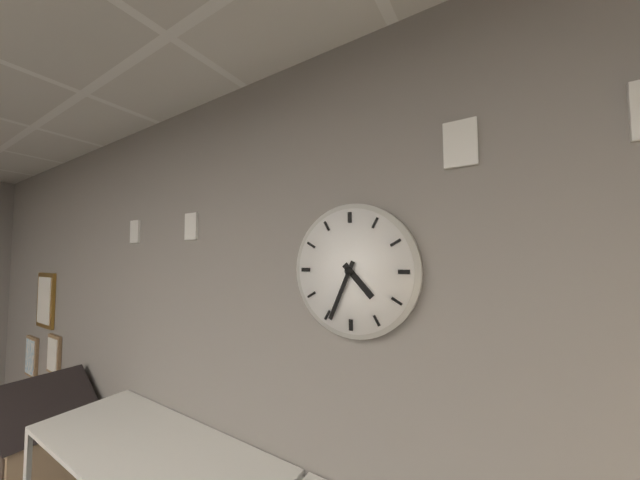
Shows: 4:34
